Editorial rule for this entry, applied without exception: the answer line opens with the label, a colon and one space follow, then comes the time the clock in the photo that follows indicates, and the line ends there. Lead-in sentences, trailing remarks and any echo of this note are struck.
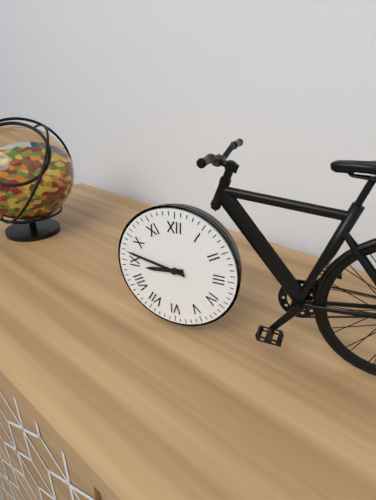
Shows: 8:47
